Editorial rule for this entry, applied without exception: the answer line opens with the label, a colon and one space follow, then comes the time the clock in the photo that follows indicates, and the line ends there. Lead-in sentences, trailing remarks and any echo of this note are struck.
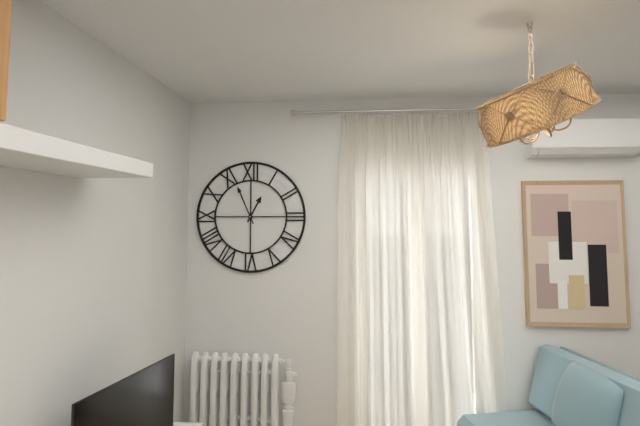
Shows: 12:56
